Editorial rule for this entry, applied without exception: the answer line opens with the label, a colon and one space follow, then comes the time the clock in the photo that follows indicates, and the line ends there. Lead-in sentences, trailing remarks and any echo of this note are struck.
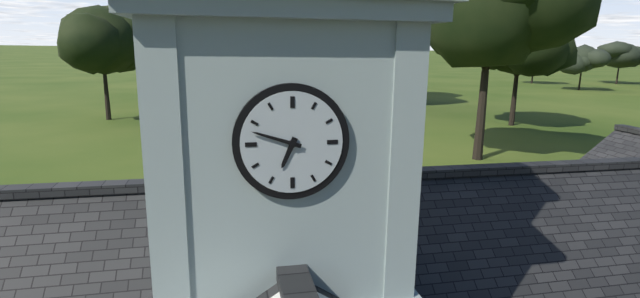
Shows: 6:48
